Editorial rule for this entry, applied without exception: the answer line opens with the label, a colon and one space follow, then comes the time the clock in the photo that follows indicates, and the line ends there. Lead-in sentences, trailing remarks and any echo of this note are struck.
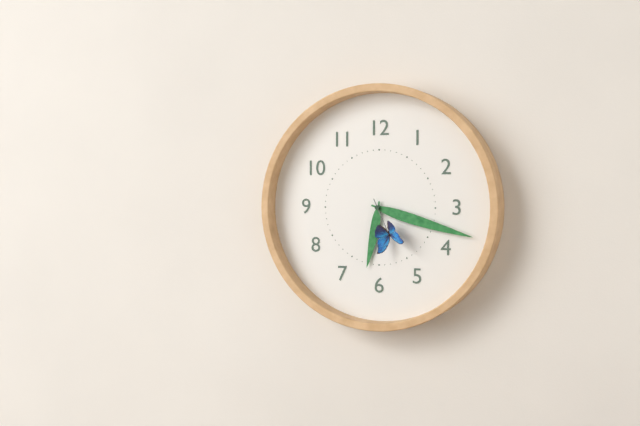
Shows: 6:18:26
